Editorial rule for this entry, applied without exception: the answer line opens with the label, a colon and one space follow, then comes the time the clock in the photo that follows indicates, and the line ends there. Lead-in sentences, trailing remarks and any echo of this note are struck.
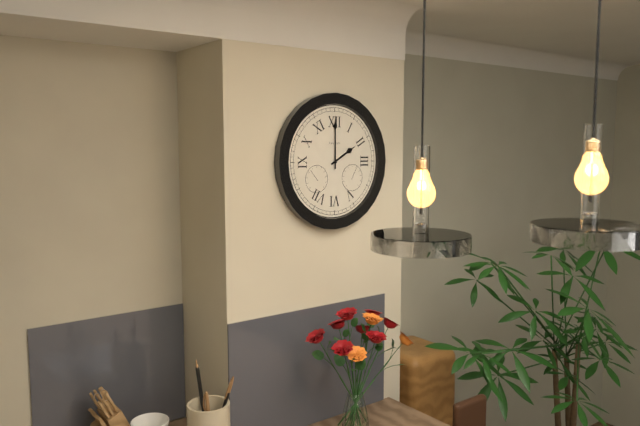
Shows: 2:00
